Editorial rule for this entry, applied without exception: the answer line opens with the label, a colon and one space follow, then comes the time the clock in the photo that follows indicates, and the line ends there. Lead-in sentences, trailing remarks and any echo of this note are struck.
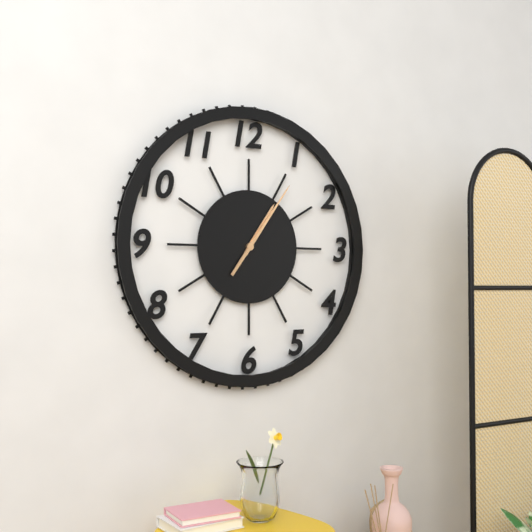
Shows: 1:06
